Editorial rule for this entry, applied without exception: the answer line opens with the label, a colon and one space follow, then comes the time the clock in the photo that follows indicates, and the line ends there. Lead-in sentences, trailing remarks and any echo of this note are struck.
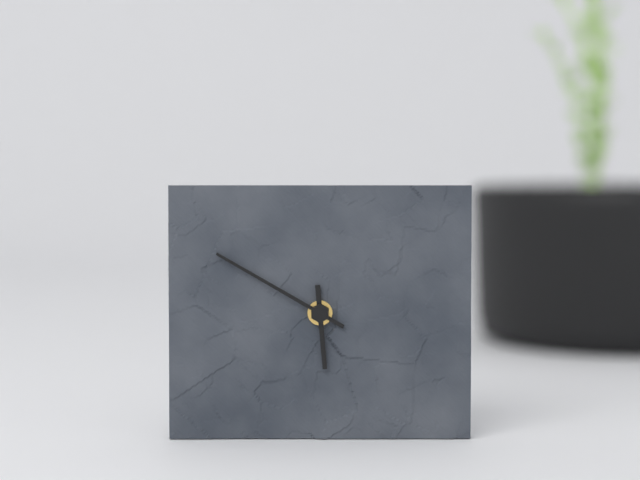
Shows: 5:50
